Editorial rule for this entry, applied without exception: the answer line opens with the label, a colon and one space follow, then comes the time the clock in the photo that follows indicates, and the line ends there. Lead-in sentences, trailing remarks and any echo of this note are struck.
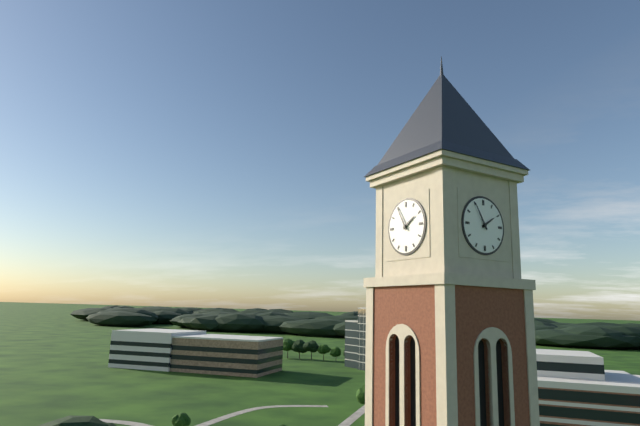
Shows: 1:55
